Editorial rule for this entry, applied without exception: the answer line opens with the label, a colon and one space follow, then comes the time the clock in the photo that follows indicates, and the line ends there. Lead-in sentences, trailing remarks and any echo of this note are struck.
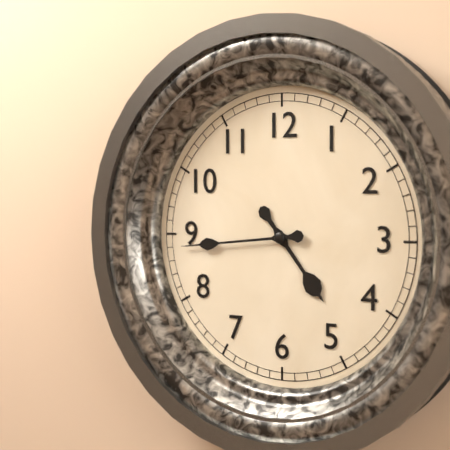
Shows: 4:44
